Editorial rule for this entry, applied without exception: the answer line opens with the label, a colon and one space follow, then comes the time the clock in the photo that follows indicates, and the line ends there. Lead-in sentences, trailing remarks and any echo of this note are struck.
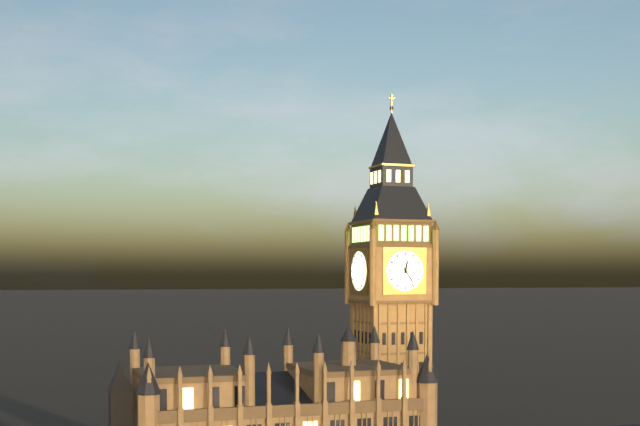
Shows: 12:24
